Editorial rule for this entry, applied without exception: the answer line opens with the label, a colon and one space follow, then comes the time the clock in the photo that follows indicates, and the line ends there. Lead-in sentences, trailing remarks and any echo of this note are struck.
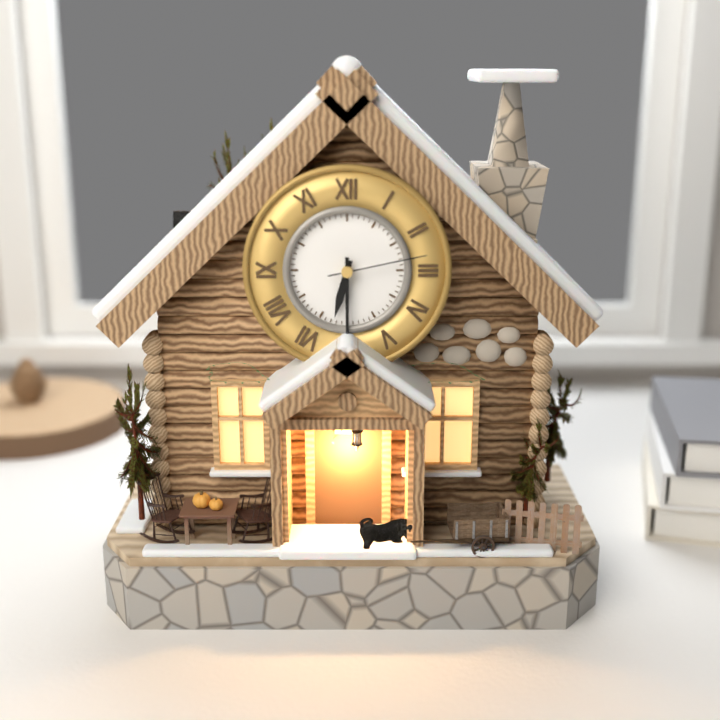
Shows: 6:30:13
